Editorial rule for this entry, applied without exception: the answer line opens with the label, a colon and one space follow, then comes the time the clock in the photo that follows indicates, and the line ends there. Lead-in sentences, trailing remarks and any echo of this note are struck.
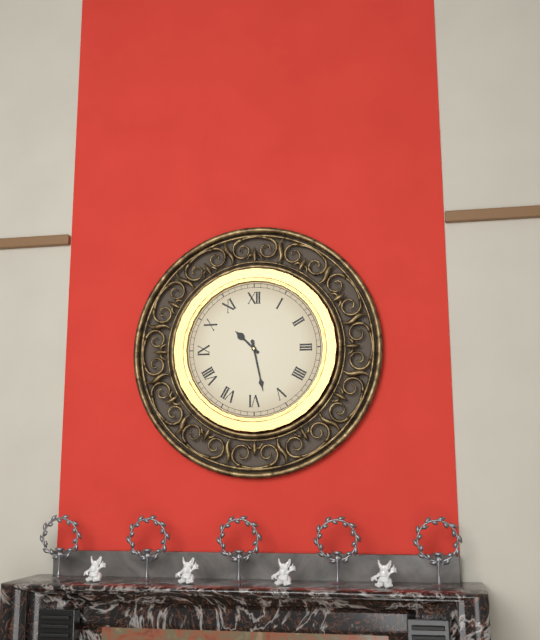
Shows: 10:28
